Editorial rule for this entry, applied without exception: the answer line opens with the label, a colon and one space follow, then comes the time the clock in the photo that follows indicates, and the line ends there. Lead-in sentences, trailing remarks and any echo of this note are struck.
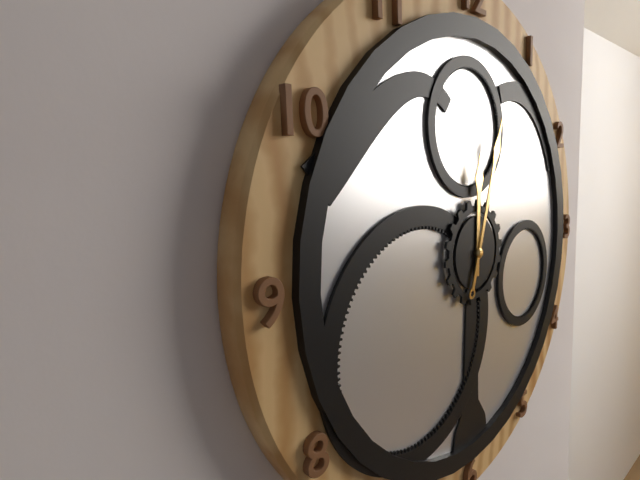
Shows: 12:03
